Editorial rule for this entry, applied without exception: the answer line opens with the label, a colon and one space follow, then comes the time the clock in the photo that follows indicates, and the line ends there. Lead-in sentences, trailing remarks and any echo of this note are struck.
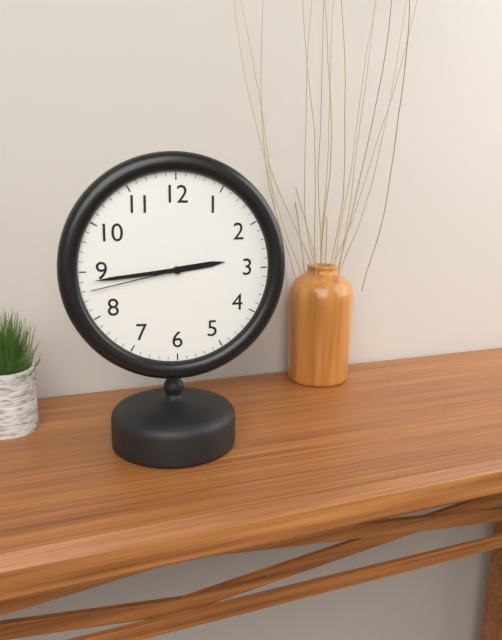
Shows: 2:44:43
